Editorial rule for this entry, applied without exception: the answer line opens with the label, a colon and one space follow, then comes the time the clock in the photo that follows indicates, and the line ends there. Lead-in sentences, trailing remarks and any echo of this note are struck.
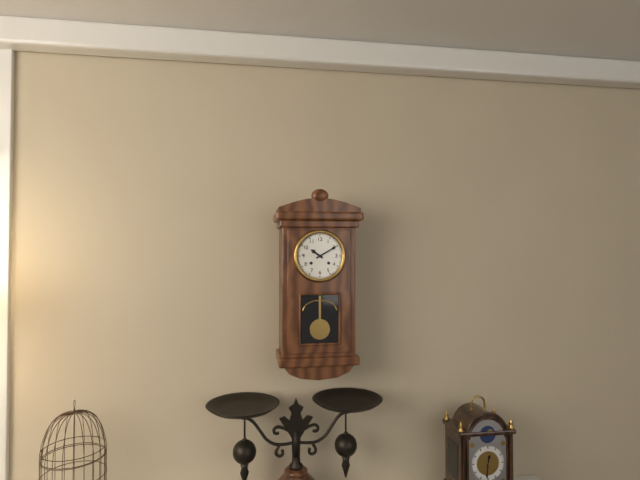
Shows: 10:10
